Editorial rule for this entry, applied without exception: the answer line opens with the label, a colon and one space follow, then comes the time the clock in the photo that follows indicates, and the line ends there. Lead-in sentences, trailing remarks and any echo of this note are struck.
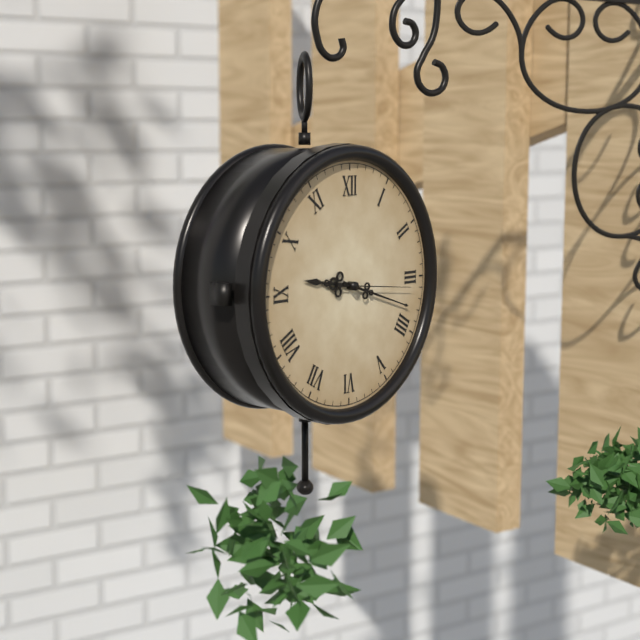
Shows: 9:18:16
